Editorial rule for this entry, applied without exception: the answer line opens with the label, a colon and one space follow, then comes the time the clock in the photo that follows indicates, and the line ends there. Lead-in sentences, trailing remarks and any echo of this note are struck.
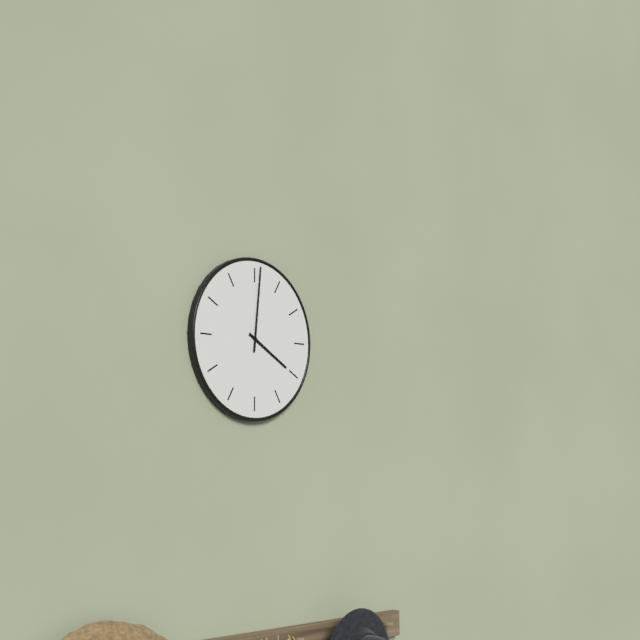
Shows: 4:01
